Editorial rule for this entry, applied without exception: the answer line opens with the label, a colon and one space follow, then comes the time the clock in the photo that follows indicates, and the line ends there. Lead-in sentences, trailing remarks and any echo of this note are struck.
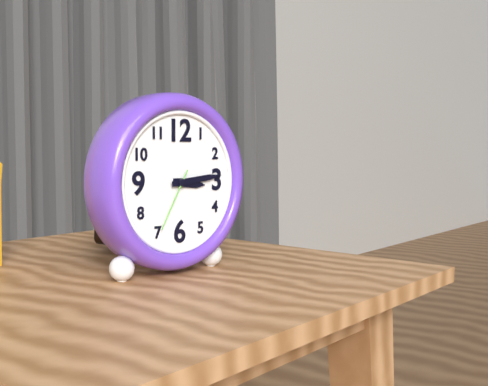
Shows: 3:14:35
